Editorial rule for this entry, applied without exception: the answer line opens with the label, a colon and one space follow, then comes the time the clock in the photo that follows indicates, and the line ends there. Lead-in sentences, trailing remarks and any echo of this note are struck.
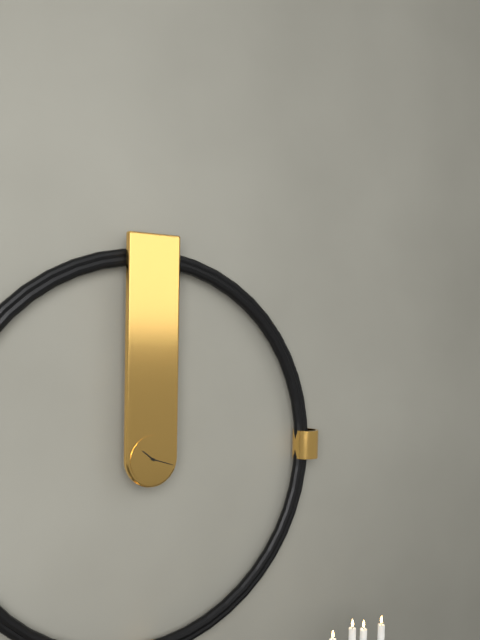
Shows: 10:18
